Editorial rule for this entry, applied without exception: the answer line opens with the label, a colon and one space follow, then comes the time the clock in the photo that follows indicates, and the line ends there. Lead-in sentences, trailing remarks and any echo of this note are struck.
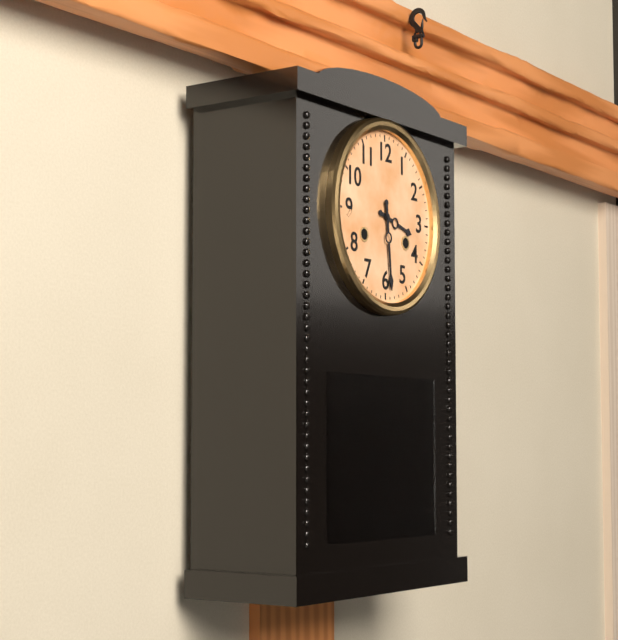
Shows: 3:29
